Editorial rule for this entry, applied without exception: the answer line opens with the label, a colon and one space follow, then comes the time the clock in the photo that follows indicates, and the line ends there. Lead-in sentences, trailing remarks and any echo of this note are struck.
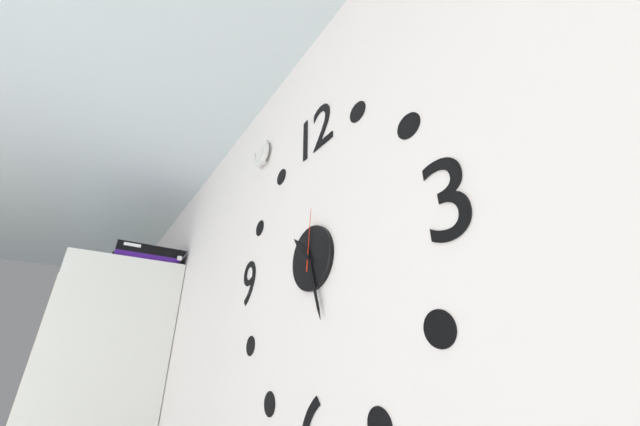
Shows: 10:27:01
